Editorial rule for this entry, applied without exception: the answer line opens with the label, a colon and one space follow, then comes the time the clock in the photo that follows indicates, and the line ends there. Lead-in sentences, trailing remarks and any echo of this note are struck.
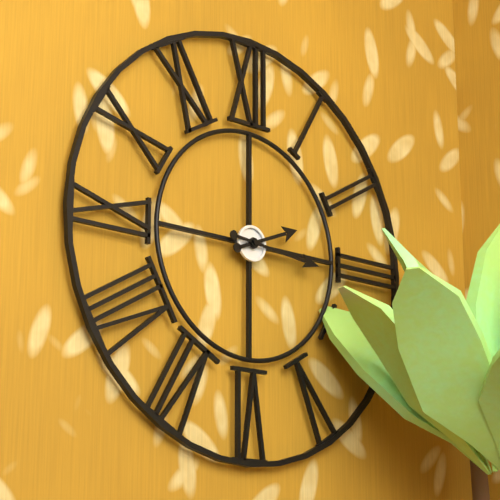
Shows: 2:16
